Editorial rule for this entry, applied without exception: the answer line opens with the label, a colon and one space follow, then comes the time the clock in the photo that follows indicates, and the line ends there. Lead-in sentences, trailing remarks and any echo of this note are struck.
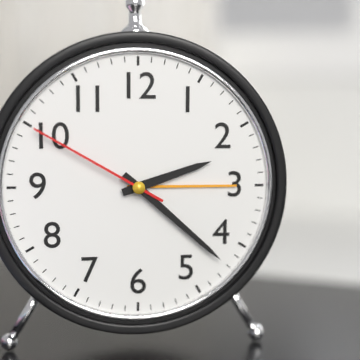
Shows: 2:22:50
